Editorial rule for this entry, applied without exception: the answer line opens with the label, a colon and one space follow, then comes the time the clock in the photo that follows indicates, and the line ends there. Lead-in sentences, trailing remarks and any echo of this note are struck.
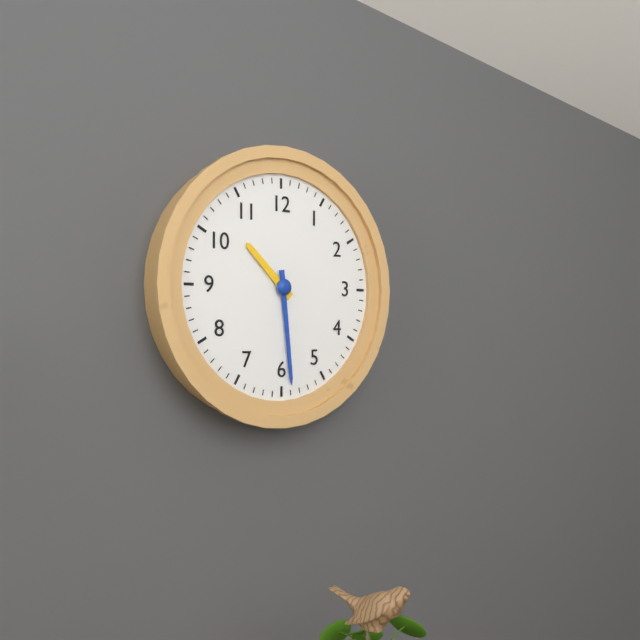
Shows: 10:29
